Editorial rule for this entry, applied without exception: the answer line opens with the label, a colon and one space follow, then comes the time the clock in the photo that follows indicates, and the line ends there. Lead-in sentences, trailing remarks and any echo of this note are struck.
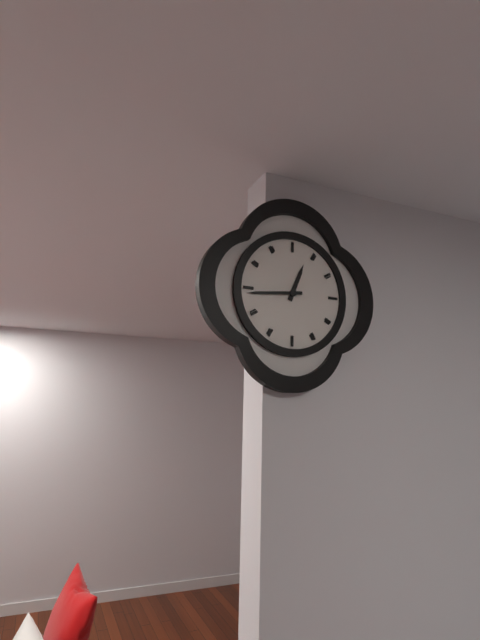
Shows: 12:44
